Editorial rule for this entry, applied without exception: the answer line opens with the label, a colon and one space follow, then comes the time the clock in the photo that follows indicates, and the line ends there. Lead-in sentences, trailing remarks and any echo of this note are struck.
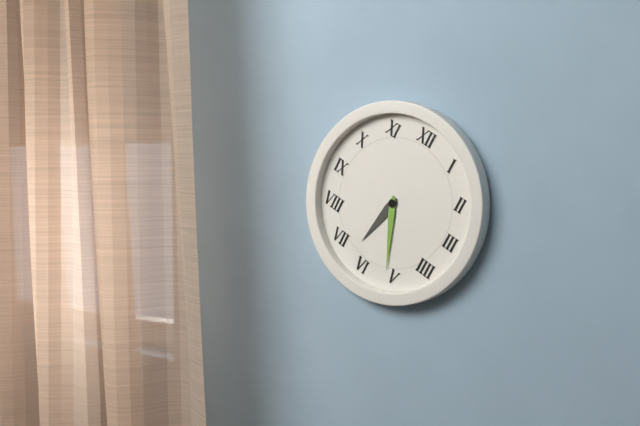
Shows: 6:26
